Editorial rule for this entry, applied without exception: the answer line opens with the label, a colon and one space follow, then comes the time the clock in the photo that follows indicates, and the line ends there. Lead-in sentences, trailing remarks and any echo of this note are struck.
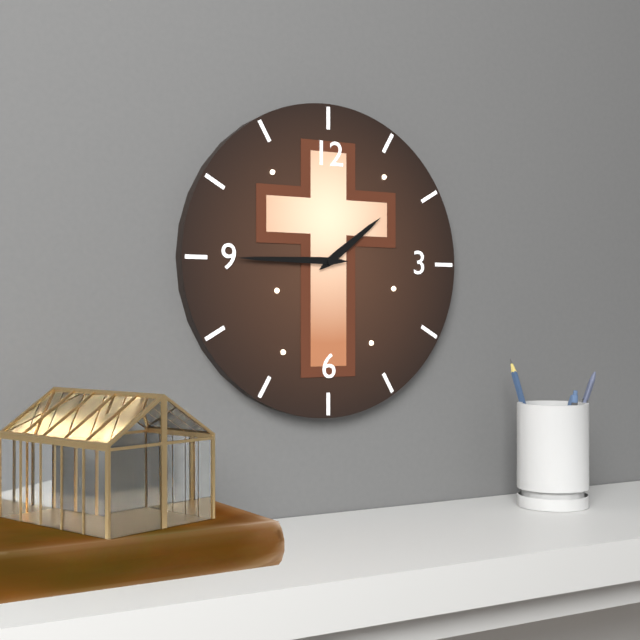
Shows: 1:45
